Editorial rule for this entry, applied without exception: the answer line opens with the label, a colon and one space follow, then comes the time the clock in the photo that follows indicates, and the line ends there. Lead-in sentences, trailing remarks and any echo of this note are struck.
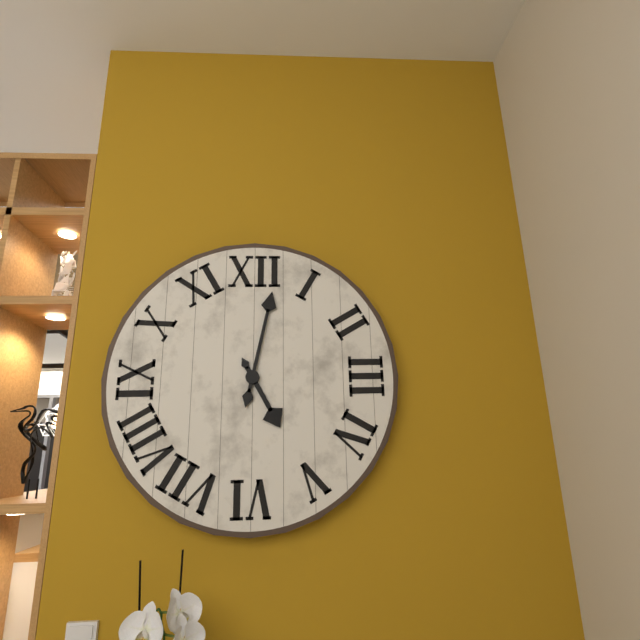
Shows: 5:02
